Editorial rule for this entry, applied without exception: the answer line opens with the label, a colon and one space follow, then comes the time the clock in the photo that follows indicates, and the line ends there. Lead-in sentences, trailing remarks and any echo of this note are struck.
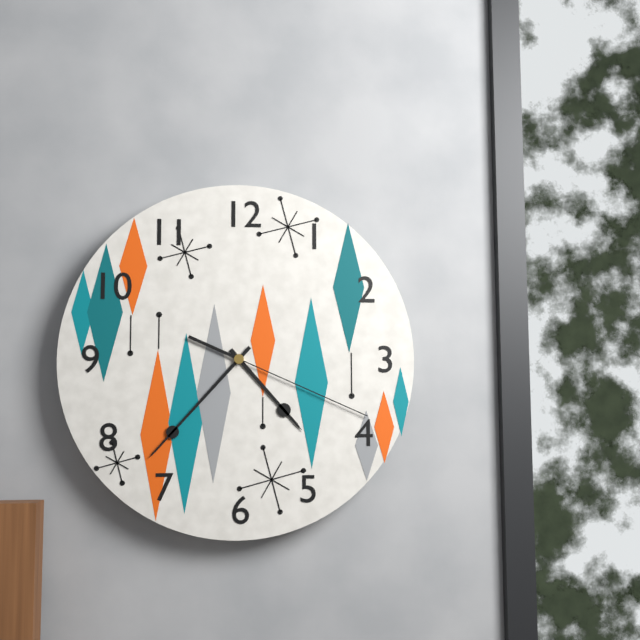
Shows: 4:37:19
